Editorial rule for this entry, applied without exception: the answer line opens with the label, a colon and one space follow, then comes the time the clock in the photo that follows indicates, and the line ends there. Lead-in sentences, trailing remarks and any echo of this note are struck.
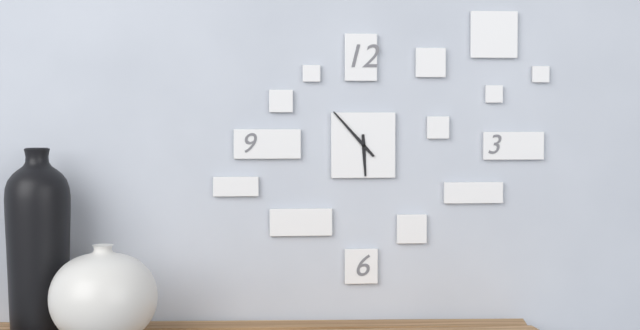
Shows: 5:53
